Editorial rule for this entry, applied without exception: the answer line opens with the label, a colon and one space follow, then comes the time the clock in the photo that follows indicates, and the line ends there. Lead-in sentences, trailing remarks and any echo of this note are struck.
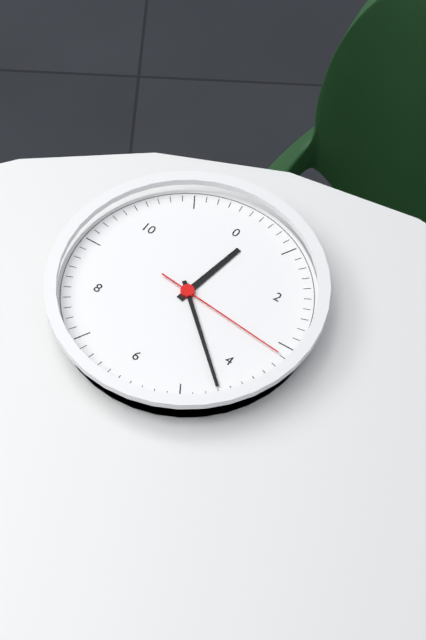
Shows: 12:22:16
